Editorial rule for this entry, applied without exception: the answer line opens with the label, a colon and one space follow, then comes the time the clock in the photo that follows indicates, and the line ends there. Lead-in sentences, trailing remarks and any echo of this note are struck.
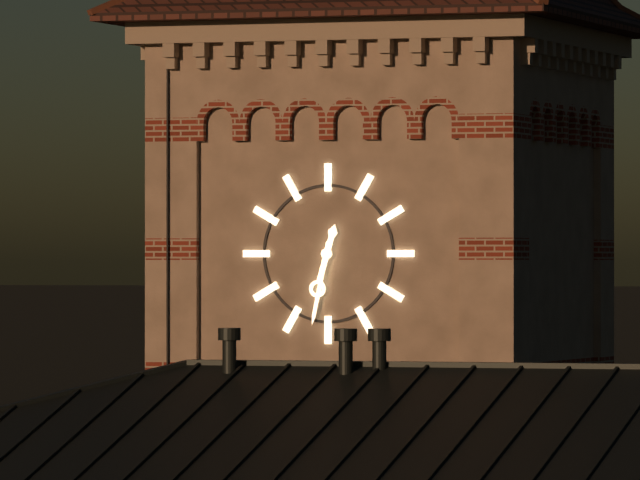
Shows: 12:32
